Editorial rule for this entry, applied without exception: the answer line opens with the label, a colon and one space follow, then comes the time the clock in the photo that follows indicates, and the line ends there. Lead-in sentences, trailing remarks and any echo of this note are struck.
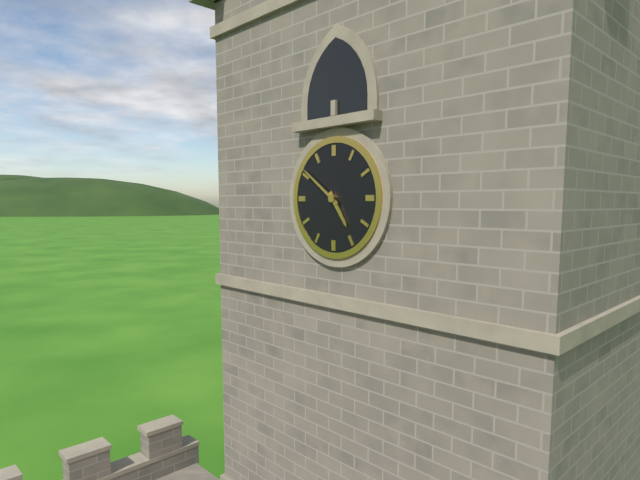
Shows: 4:51
